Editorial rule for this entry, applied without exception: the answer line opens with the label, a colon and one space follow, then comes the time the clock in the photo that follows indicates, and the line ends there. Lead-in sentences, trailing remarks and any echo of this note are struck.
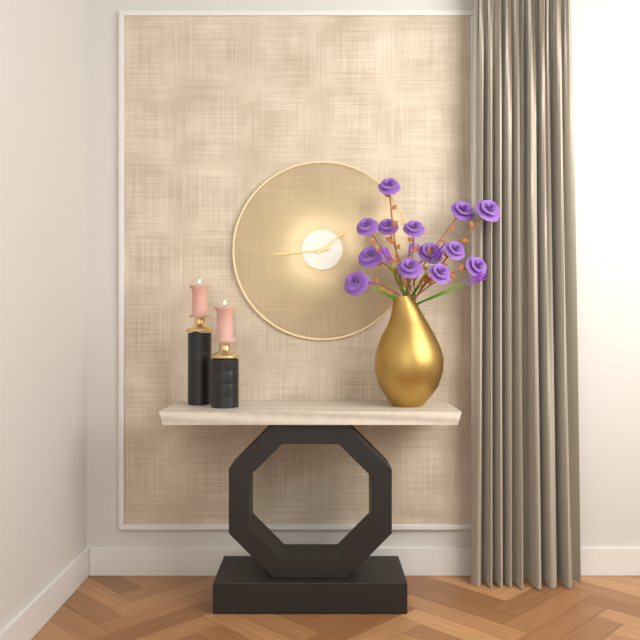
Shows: 1:44
